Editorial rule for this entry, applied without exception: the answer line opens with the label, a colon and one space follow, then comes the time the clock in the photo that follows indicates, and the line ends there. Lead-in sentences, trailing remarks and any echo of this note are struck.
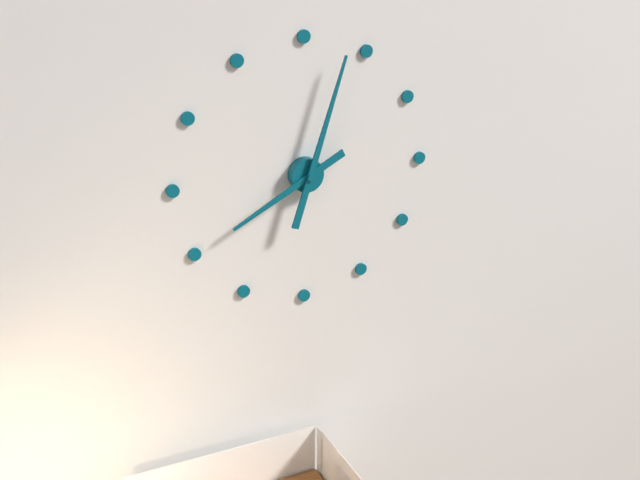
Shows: 8:03
